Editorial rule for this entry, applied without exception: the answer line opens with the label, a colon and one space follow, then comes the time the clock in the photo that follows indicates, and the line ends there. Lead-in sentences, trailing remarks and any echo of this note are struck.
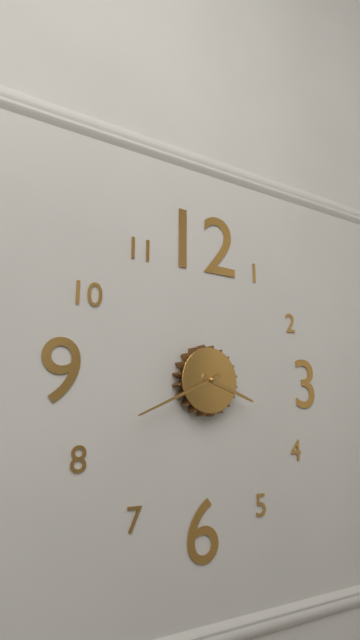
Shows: 3:41
